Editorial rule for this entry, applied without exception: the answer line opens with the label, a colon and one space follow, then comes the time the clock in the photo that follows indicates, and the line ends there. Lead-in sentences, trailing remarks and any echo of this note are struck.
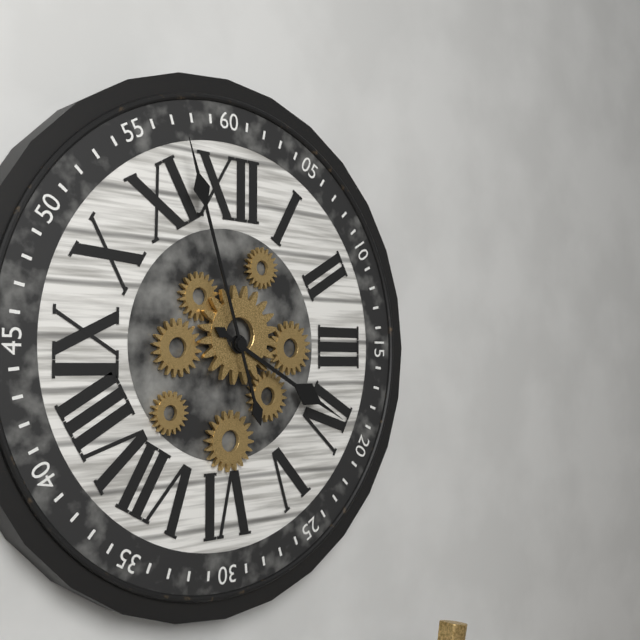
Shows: 3:57
